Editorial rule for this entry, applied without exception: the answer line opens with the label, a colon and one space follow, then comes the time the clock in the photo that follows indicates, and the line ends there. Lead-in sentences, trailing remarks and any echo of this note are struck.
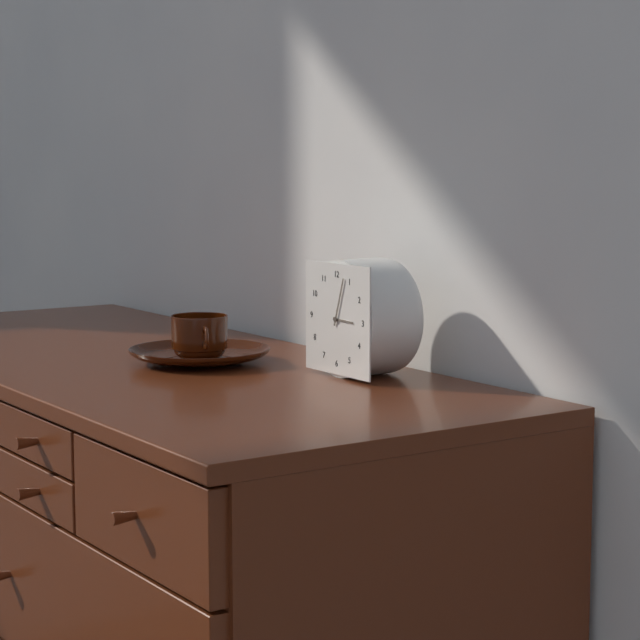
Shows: 3:03
